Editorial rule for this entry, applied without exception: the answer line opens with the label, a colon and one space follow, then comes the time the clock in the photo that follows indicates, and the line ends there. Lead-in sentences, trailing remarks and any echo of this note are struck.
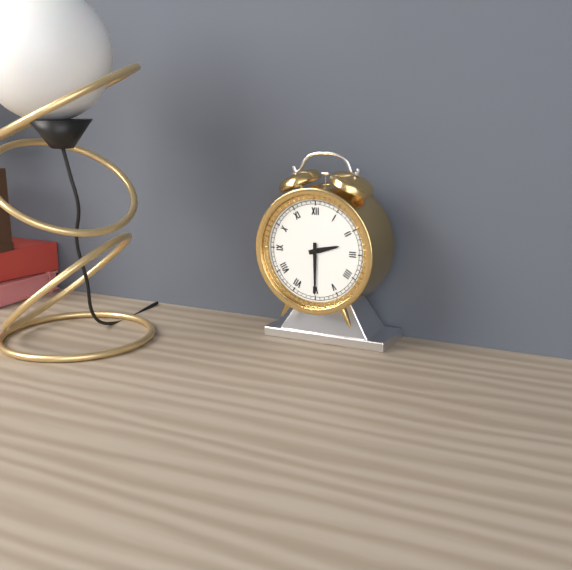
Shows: 2:30
